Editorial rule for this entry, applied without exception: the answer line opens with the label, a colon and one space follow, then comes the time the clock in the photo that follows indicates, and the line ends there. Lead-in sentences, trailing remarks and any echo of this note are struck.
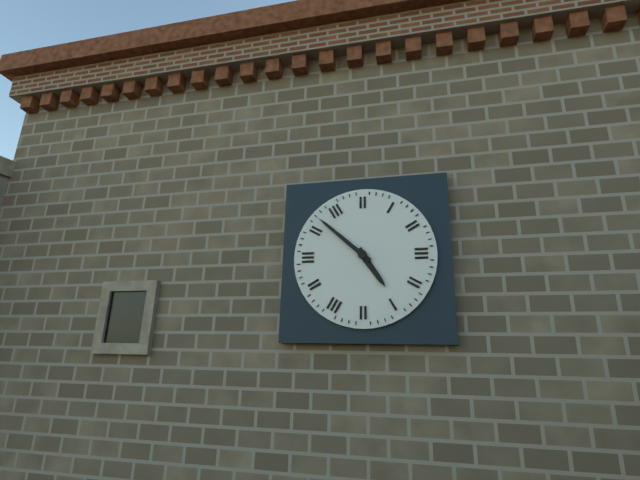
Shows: 4:52
